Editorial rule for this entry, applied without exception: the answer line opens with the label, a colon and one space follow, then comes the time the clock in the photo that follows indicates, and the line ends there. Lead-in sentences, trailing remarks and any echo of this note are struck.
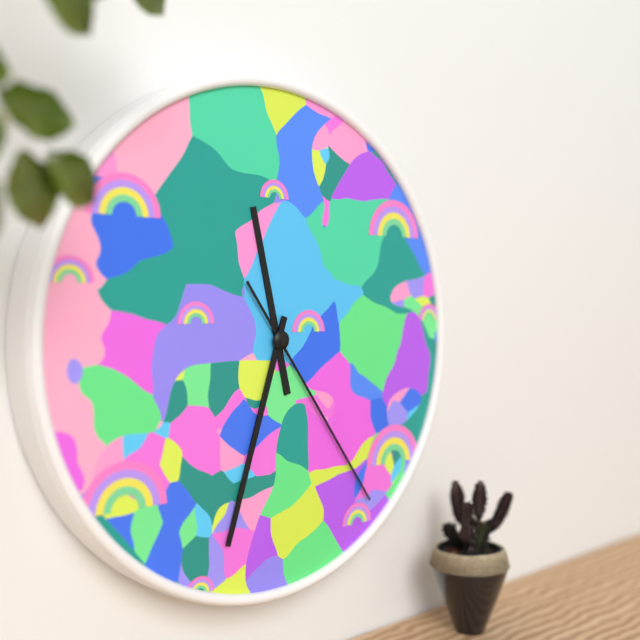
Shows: 11:33:24
